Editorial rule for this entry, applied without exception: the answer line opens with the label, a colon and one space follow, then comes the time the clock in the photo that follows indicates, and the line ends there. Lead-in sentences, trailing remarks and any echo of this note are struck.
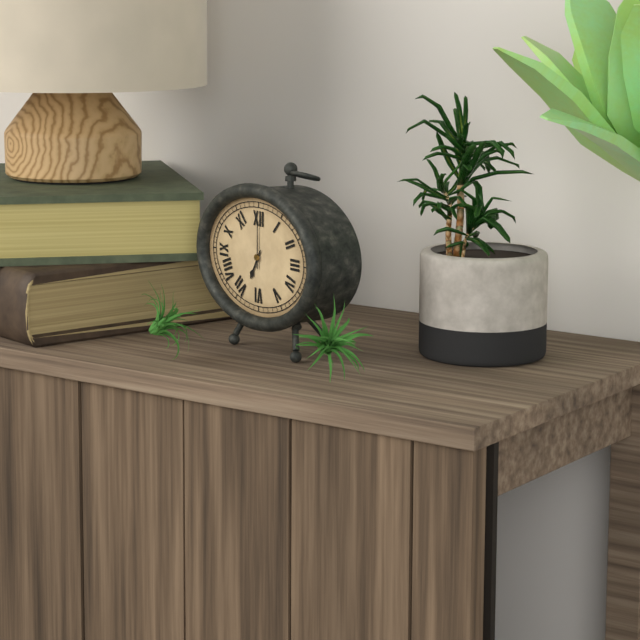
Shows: 7:00
